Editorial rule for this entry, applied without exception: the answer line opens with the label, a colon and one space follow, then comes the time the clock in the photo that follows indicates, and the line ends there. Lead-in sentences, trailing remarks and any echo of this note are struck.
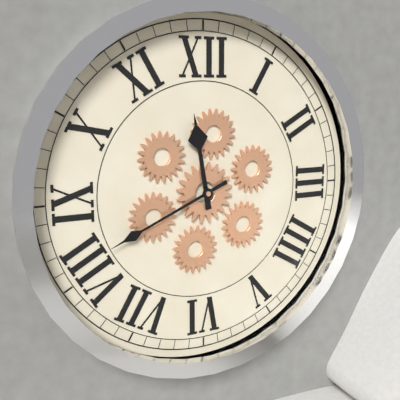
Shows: 11:41
